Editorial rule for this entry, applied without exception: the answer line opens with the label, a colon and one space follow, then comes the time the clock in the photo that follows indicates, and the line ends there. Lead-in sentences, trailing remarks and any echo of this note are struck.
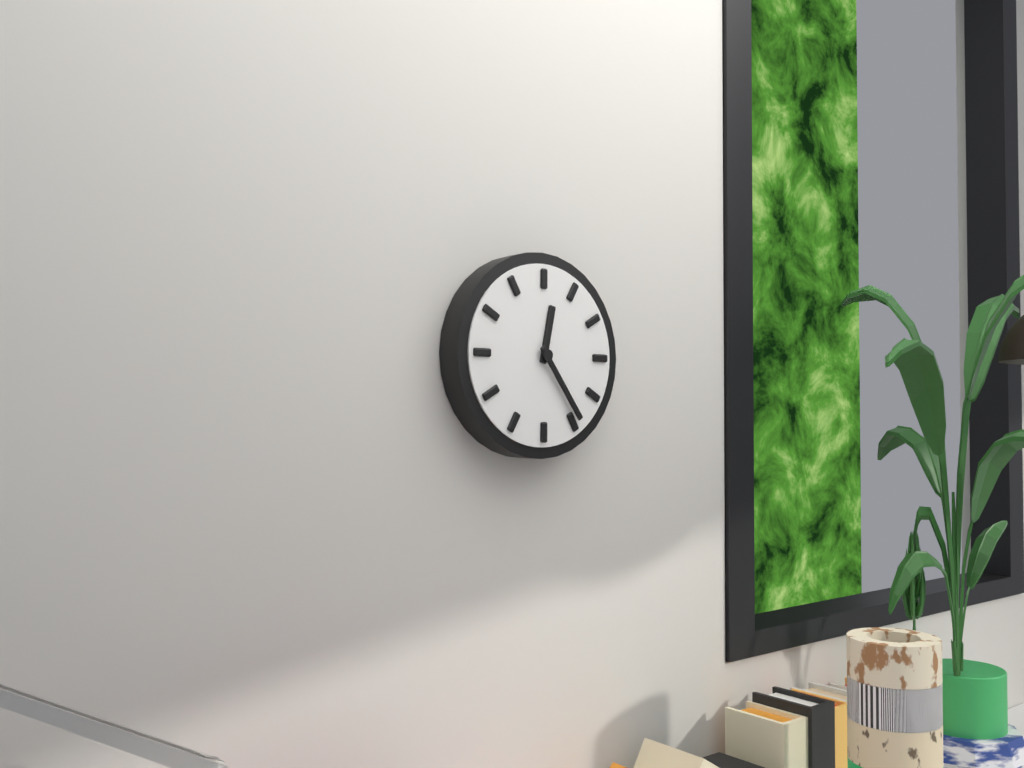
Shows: 12:24
